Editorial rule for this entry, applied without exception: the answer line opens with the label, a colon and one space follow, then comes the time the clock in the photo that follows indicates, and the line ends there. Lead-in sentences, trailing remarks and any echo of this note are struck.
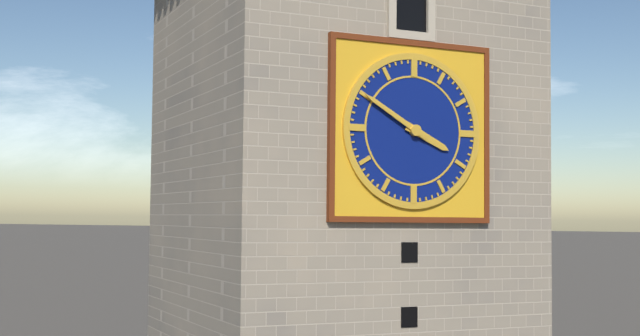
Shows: 3:50
